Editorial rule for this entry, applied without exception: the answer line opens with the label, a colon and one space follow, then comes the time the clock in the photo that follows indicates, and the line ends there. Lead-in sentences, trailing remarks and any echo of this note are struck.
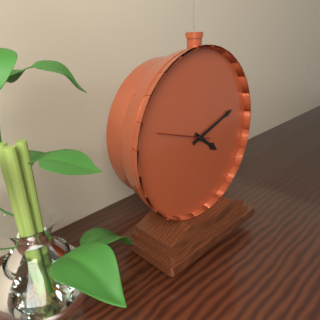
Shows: 4:12:48
